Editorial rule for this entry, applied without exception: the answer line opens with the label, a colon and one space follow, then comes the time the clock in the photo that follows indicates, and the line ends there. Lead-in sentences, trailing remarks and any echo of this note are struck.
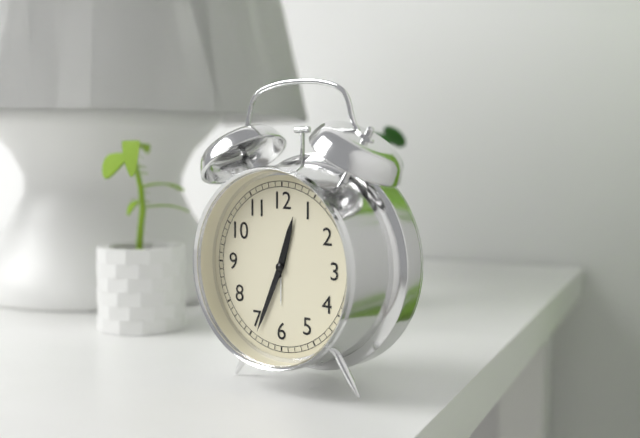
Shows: 12:34
